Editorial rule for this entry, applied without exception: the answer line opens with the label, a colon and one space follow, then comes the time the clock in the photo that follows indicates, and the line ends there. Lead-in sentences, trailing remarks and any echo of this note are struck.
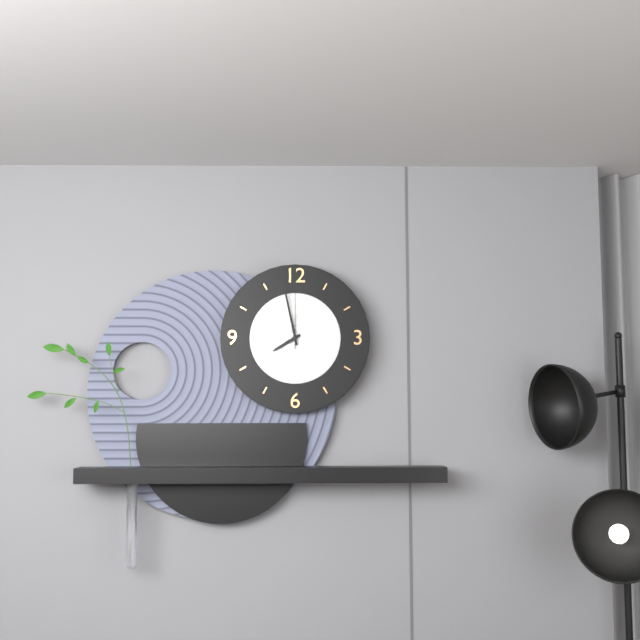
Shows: 7:58:00
